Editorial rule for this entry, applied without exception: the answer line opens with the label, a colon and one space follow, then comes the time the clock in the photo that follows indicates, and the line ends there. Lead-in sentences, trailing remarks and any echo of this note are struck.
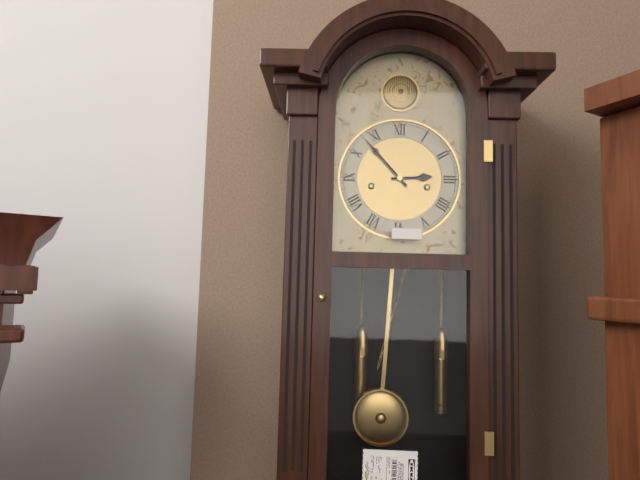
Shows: 2:53
